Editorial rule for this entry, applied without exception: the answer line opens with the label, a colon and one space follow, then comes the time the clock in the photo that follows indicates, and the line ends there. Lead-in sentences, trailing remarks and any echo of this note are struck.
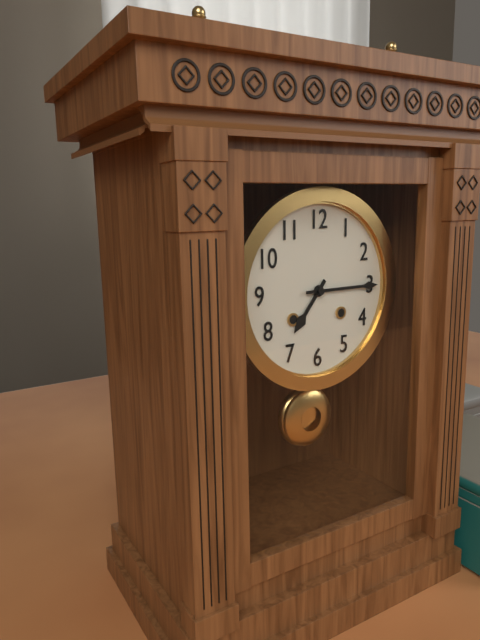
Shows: 7:15
